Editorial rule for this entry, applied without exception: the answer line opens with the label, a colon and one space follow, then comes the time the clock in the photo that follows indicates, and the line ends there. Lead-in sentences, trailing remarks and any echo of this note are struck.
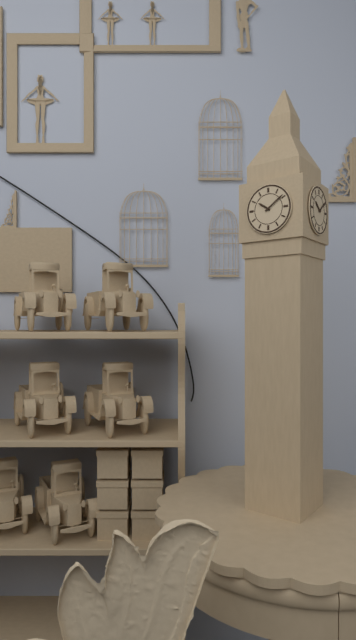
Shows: 10:09
